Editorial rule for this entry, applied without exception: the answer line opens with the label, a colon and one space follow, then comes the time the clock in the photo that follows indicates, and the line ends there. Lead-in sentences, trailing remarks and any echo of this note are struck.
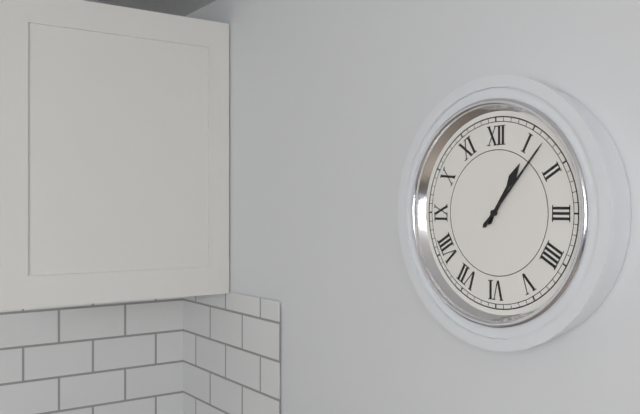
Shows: 1:07
